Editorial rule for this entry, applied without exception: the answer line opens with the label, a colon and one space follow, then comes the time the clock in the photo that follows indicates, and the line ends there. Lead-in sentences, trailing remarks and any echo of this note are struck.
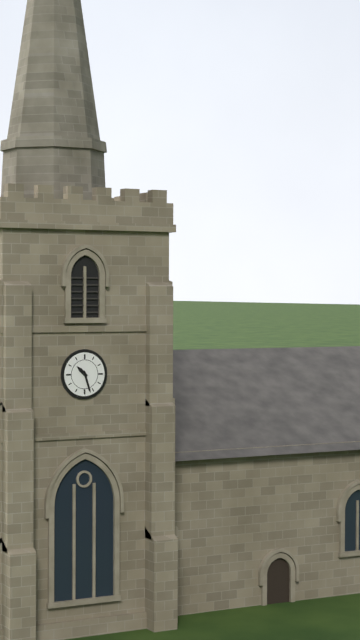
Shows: 10:27
